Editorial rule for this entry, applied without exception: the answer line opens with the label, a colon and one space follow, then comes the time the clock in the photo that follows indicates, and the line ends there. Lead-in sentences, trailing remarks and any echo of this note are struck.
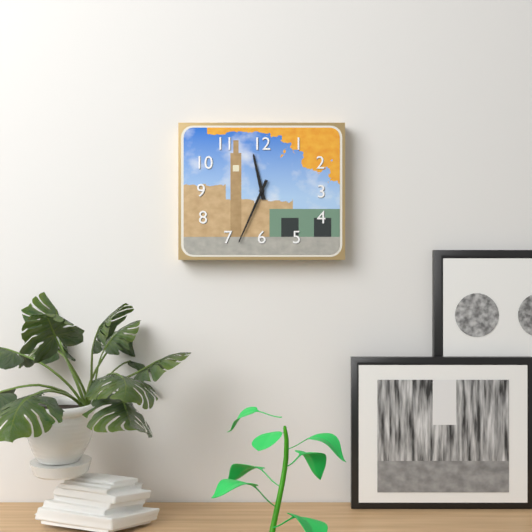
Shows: 11:34
